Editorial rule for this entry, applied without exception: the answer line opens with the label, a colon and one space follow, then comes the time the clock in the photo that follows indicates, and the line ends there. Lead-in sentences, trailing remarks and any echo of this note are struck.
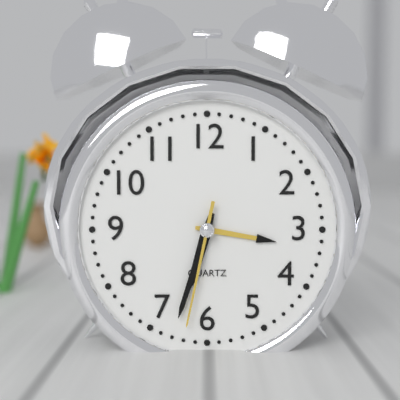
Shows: 6:33:32
